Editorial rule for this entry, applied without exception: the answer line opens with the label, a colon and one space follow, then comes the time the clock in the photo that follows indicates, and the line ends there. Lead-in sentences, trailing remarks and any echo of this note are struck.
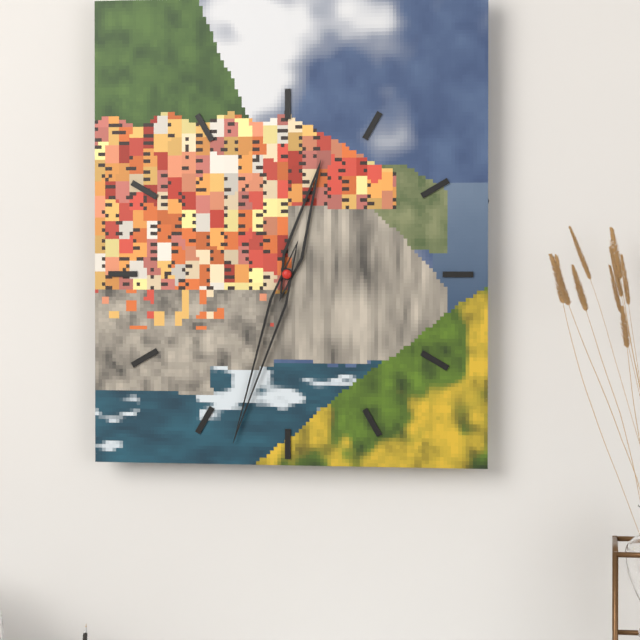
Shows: 12:33
